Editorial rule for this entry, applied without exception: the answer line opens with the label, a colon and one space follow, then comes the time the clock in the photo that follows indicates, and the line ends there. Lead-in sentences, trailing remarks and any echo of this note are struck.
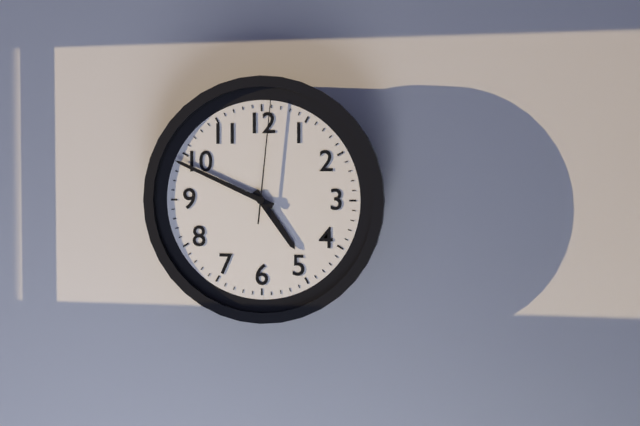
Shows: 4:49:01
